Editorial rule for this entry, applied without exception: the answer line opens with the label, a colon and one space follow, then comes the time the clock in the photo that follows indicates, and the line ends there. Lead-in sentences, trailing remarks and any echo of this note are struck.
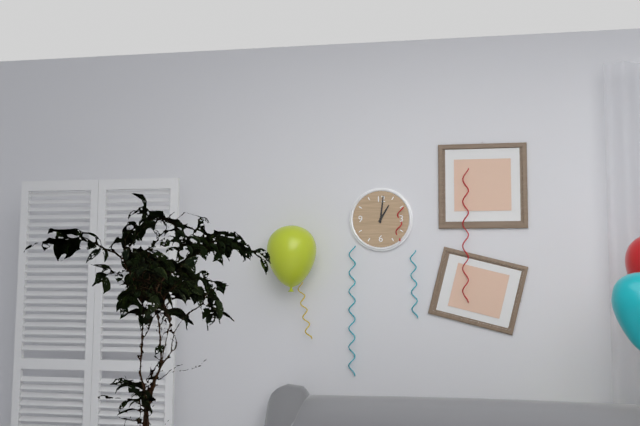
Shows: 1:01
